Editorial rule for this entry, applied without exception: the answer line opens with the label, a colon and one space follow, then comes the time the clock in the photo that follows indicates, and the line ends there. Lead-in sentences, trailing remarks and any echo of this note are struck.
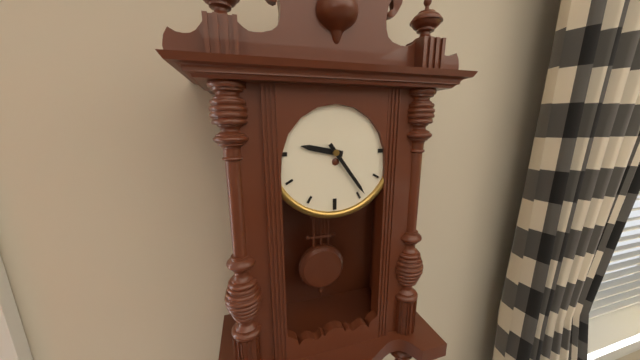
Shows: 9:24
